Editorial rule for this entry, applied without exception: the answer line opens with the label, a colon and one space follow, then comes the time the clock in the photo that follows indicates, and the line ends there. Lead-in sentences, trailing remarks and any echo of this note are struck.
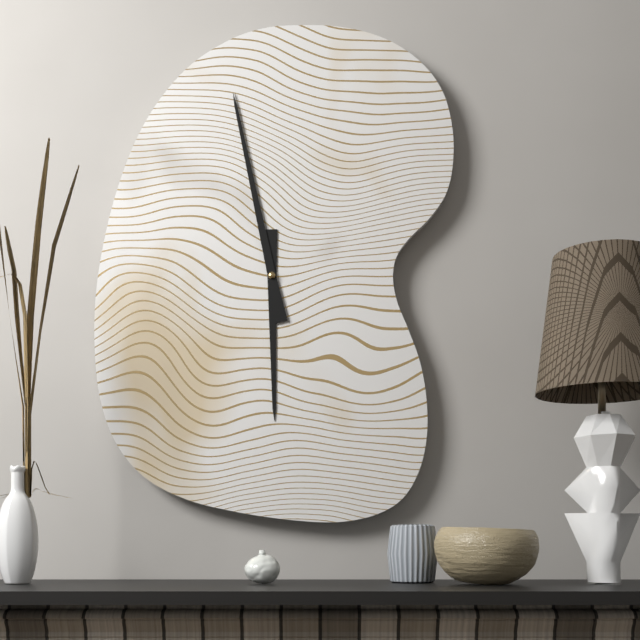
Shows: 5:58
